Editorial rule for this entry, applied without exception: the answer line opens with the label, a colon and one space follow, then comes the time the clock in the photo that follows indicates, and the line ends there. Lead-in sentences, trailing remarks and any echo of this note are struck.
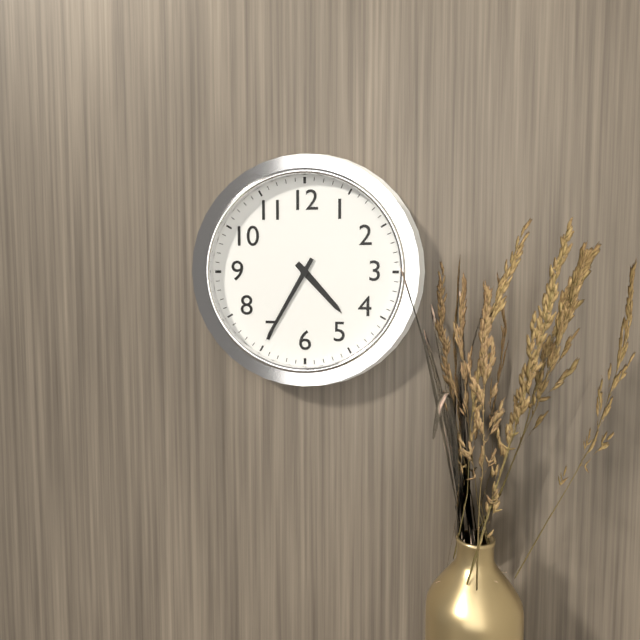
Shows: 4:35
